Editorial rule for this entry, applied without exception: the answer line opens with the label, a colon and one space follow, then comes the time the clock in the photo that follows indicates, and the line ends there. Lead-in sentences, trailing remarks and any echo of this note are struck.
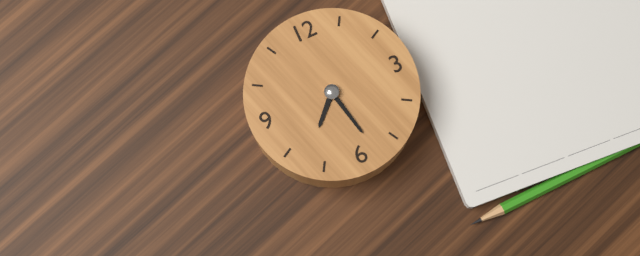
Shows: 7:28
